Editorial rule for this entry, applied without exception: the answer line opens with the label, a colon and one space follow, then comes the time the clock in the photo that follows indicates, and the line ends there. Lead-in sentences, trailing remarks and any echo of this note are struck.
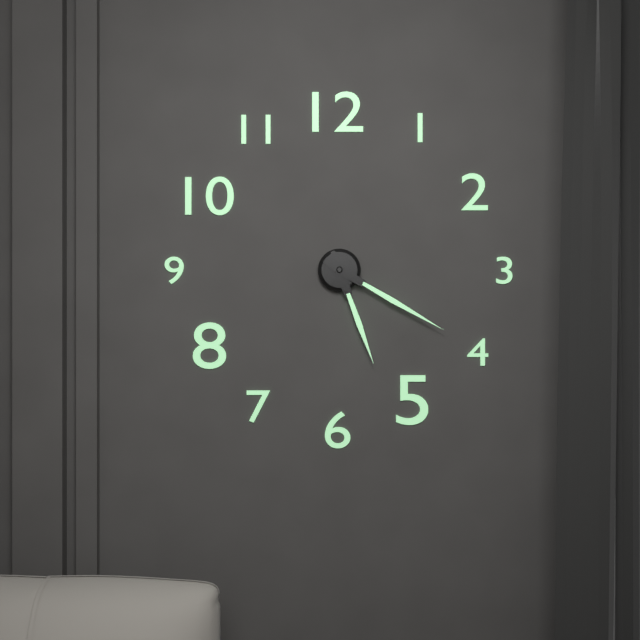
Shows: 5:20
